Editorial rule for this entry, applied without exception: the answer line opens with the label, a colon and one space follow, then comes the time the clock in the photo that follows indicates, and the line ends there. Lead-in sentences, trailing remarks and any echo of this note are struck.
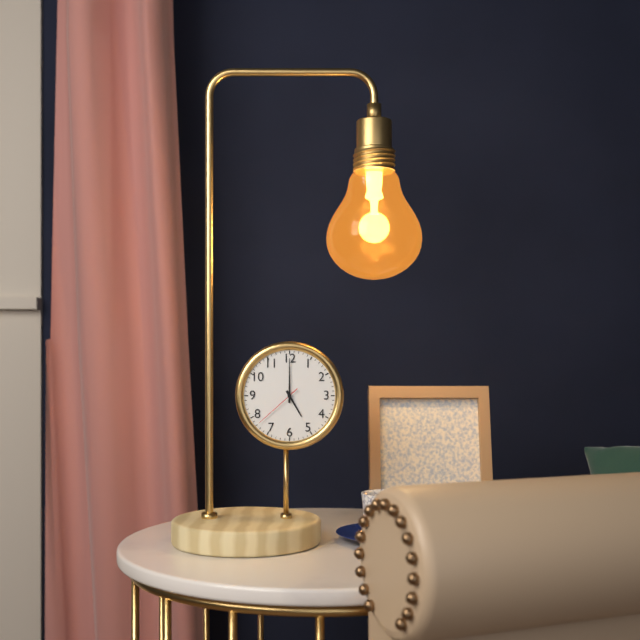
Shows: 5:00:38
